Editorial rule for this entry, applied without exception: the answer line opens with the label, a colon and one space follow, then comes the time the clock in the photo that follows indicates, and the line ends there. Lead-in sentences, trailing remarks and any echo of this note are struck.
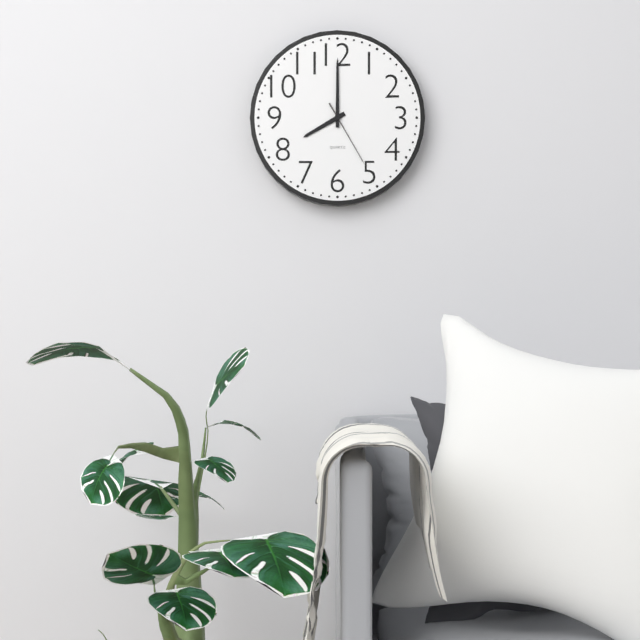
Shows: 8:00:25
